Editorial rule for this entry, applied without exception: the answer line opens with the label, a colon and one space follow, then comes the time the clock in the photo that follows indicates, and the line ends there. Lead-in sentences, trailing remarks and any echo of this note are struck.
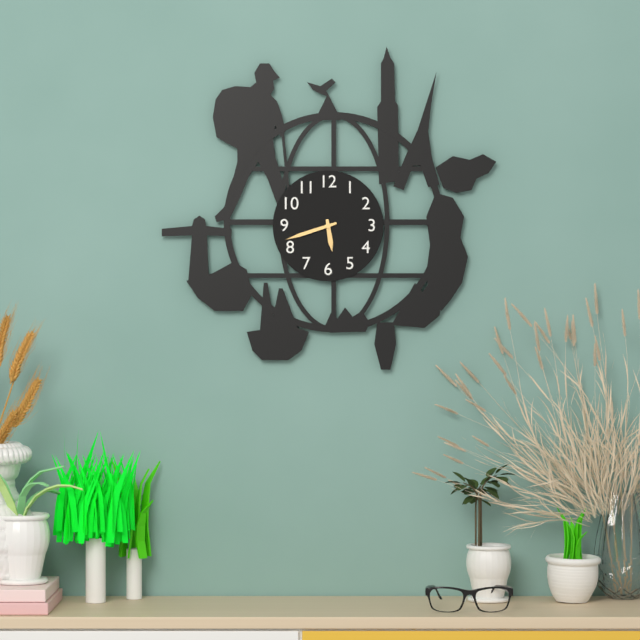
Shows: 5:42
